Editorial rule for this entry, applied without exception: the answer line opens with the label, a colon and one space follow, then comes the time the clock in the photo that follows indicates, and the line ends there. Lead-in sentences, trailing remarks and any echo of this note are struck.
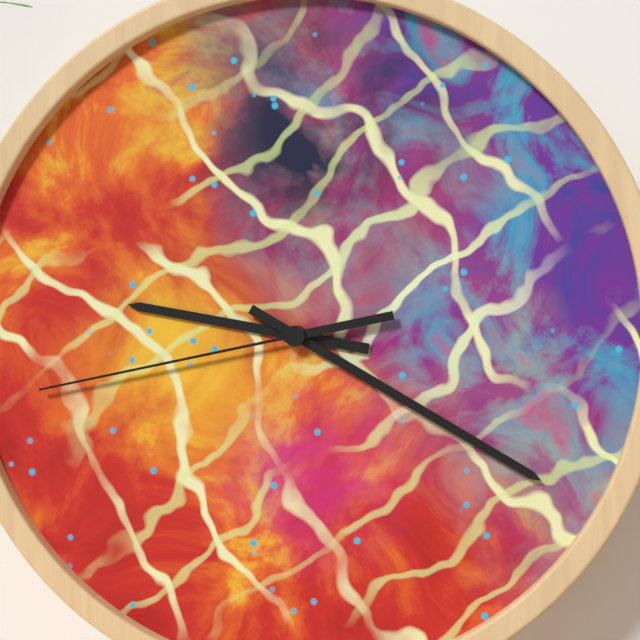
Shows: 9:20:43
